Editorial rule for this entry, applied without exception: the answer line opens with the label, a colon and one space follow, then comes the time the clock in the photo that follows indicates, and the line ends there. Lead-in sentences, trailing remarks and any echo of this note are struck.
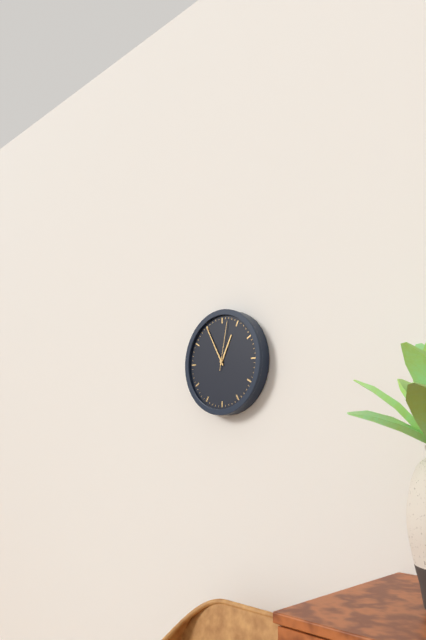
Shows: 12:55:02
